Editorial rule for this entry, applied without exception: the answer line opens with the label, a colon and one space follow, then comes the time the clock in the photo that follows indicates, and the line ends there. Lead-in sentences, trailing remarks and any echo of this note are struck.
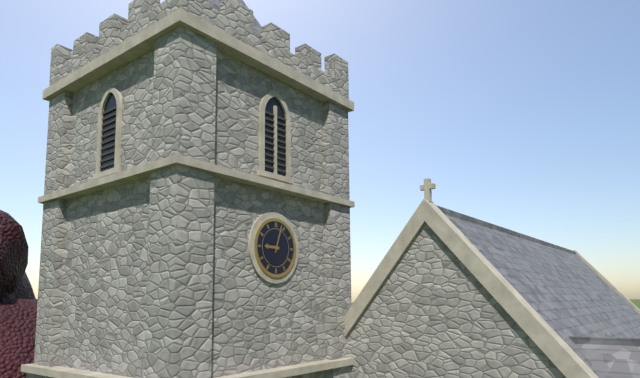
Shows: 9:03
